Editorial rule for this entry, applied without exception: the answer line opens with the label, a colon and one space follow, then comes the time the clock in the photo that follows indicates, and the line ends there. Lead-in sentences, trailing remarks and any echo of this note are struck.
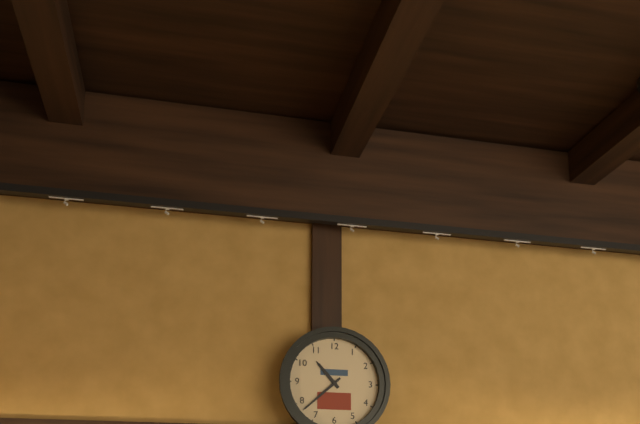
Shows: 10:38
